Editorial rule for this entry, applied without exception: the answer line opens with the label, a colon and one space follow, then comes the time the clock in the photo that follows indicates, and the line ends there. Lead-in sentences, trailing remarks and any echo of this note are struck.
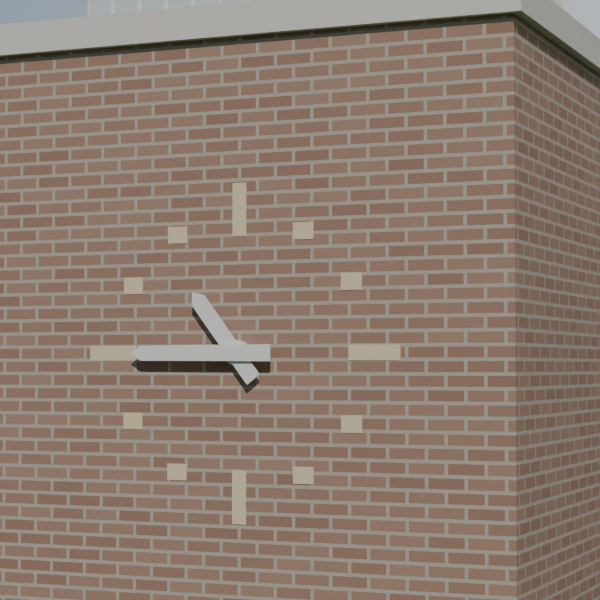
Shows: 10:45
